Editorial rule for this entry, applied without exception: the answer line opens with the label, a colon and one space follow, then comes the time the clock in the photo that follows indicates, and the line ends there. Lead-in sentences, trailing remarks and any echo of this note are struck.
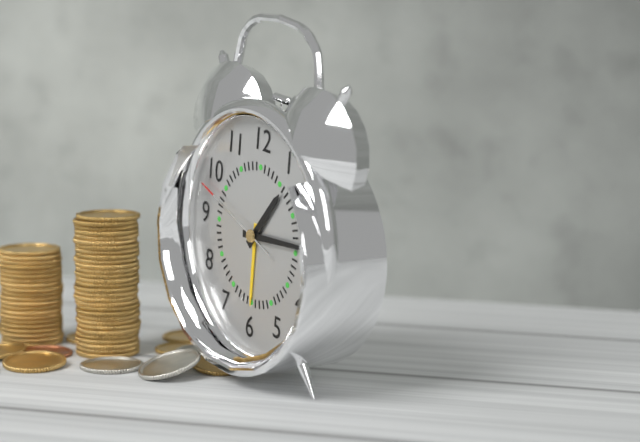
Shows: 1:14:48
